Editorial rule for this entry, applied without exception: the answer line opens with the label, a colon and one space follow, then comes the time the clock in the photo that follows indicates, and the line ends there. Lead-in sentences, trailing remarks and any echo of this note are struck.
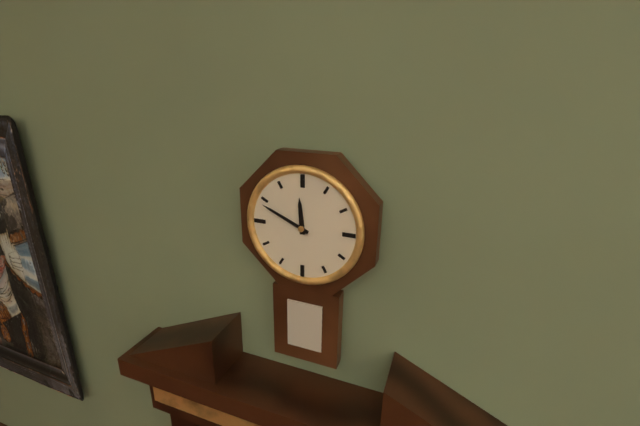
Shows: 11:49
